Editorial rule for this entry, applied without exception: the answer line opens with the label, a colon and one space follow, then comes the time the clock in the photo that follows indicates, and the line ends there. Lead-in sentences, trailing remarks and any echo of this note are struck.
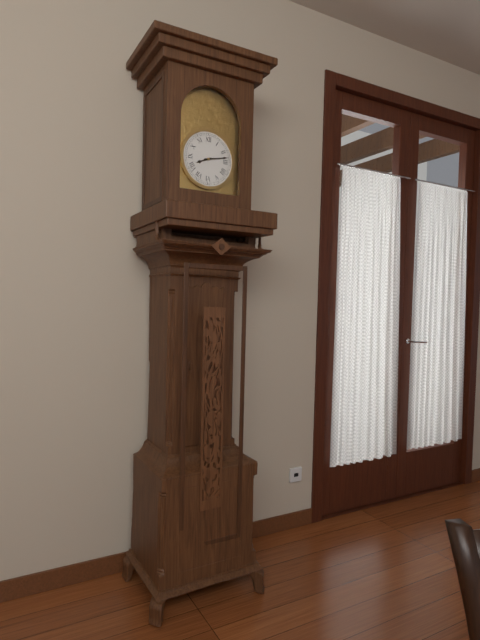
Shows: 8:13
